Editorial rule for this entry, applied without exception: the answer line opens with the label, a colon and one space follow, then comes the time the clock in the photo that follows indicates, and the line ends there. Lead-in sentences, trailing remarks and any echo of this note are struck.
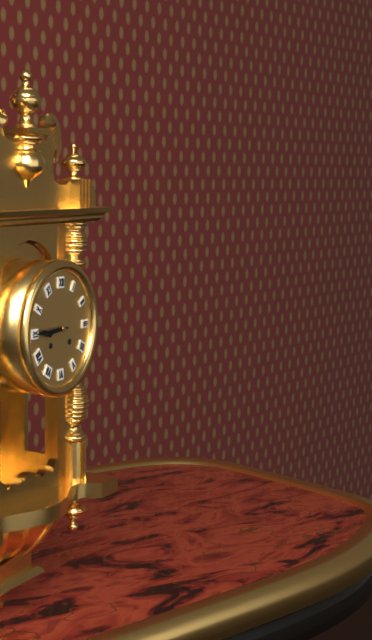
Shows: 8:45
